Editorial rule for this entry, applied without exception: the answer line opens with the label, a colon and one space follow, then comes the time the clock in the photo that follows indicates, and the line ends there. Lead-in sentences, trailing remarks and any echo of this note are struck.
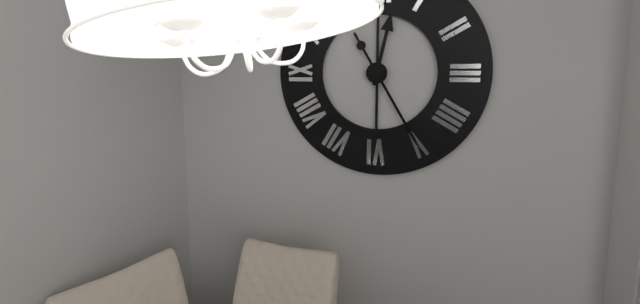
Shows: 12:25
